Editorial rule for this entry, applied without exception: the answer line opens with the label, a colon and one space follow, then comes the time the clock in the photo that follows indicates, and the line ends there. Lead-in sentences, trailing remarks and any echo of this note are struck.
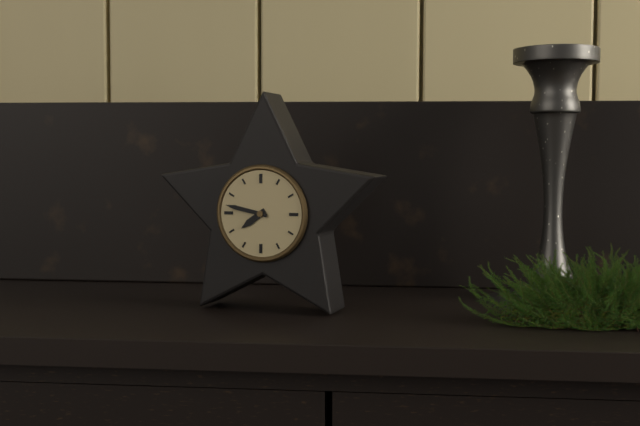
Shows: 7:47
